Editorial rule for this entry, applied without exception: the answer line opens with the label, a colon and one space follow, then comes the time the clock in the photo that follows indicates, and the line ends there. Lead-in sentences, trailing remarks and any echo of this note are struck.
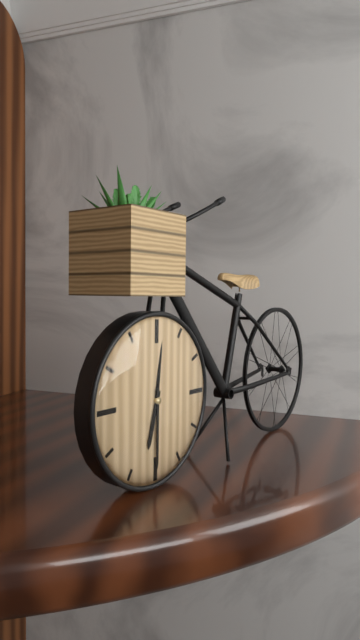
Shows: 6:30
